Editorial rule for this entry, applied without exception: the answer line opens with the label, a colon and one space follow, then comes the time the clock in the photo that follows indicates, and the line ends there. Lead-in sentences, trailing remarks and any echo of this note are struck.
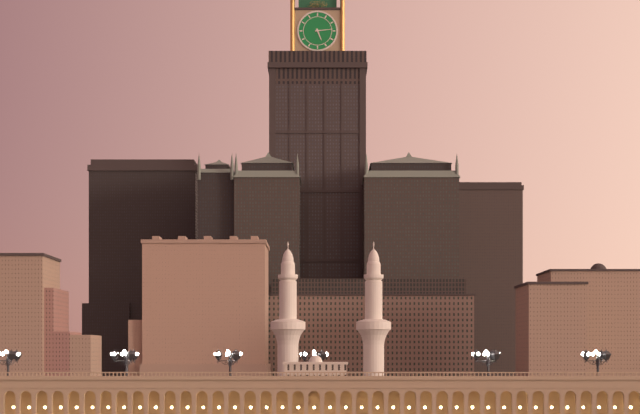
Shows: 5:14
